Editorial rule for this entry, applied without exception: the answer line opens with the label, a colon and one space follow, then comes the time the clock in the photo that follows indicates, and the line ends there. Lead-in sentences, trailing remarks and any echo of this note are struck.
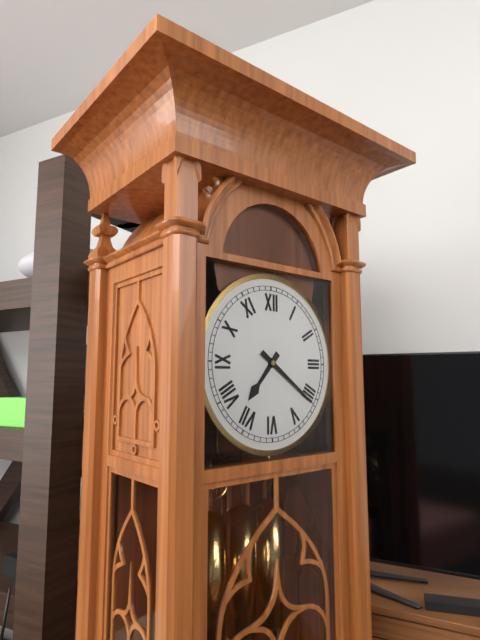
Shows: 7:21
